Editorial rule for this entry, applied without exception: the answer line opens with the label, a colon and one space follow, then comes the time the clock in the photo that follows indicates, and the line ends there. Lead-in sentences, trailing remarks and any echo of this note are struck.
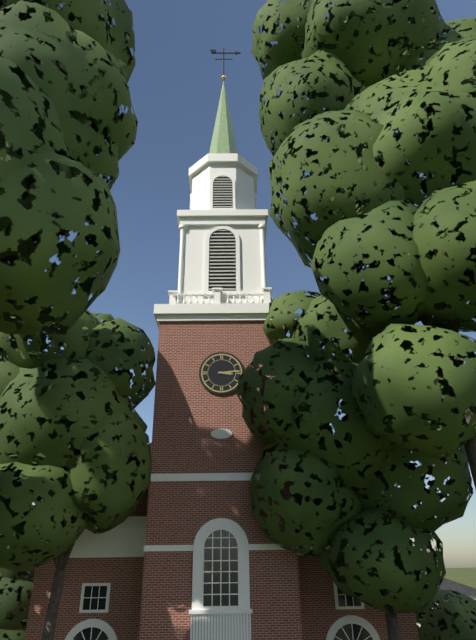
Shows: 3:14
